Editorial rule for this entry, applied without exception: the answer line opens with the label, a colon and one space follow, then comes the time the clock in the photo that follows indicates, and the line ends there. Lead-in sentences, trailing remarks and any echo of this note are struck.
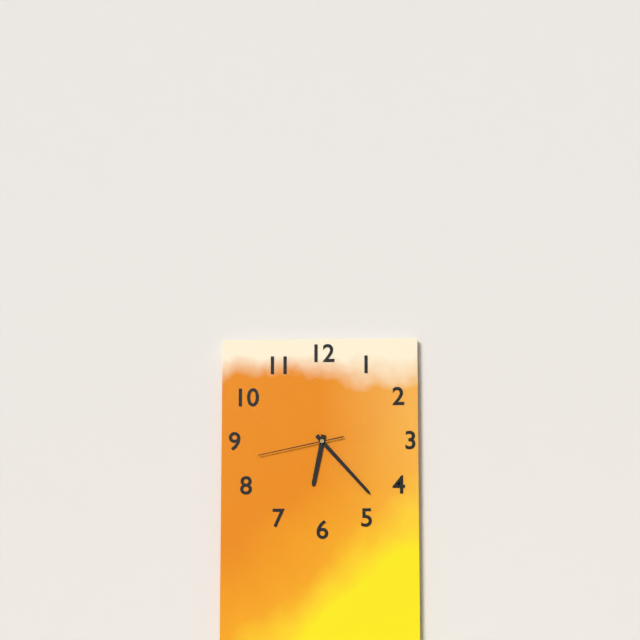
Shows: 6:23:43
